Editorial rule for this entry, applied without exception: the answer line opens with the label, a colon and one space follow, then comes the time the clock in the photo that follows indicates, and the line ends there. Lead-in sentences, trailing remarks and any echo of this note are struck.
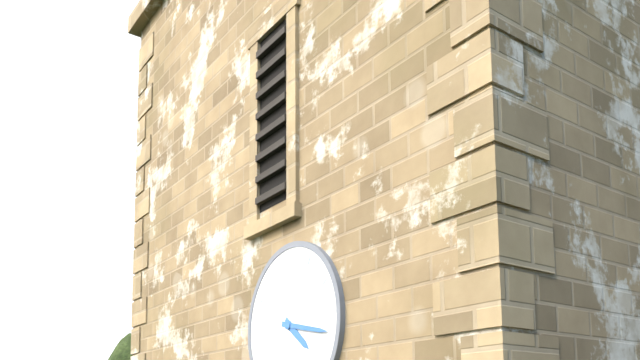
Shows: 4:17
